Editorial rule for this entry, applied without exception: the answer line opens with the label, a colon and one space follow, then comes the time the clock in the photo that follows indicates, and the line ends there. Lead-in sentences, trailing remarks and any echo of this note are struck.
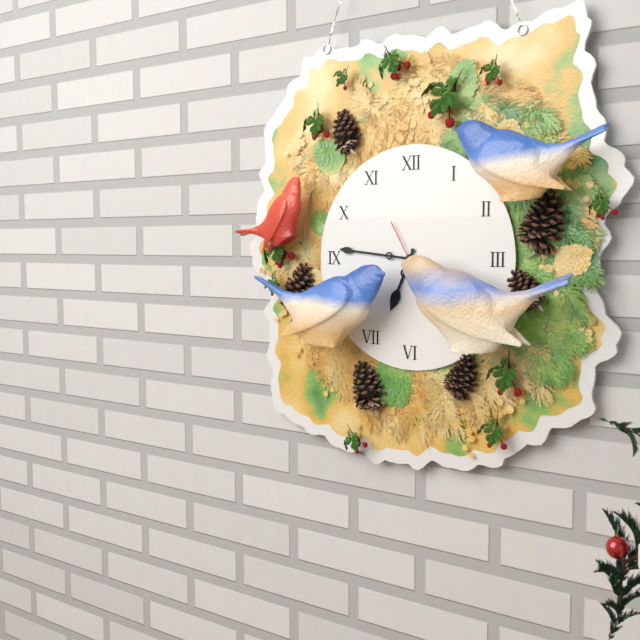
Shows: 6:46
